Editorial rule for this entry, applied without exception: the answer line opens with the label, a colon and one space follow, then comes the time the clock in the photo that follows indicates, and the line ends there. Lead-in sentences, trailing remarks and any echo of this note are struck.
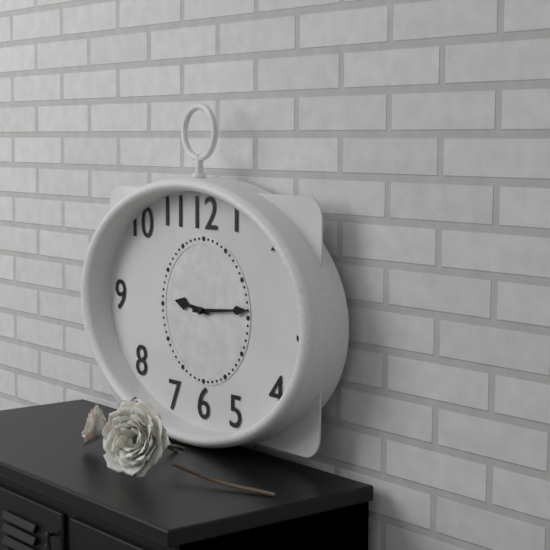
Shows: 9:14
